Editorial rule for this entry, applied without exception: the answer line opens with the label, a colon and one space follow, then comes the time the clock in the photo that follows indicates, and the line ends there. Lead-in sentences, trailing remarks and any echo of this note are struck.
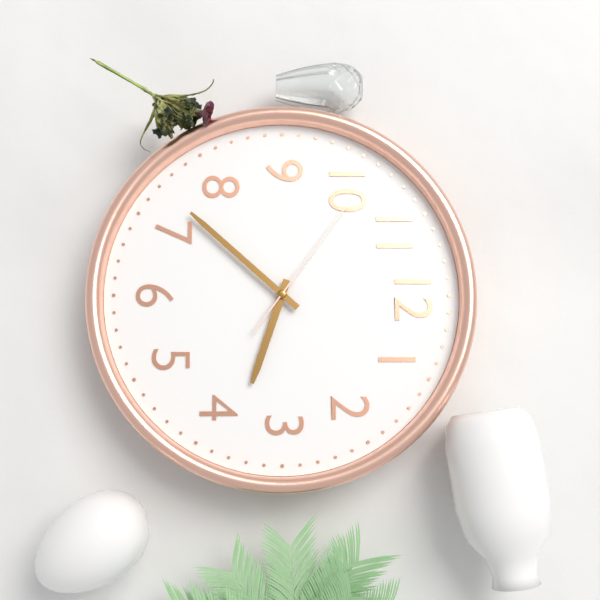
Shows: 3:37:51
